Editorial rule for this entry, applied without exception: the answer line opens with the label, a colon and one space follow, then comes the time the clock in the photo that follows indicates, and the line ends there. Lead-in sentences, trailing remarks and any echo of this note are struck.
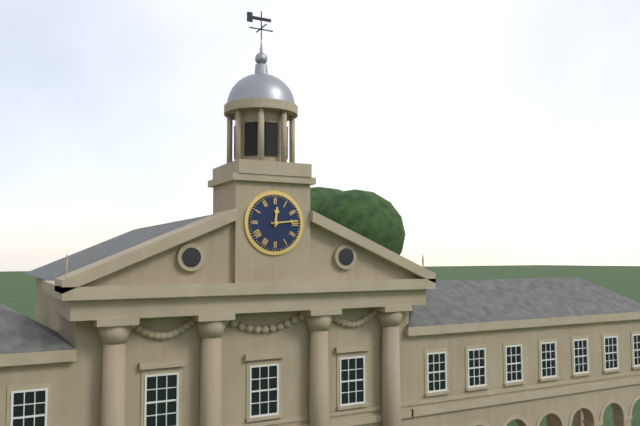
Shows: 12:14
